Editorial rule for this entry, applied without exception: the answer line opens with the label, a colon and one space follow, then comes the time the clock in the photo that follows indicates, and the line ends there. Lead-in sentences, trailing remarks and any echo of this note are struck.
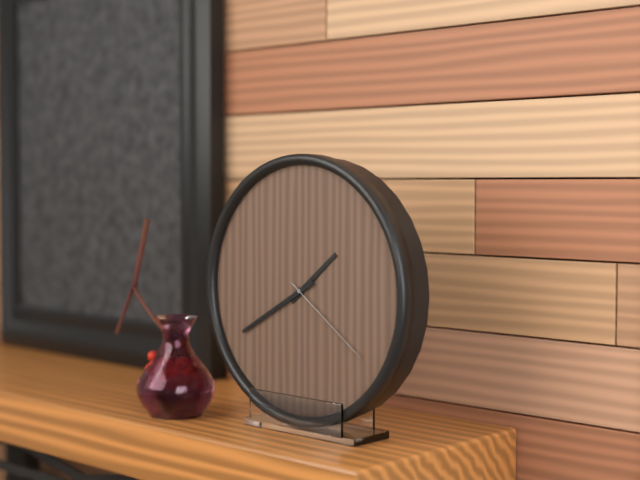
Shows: 1:40:21
